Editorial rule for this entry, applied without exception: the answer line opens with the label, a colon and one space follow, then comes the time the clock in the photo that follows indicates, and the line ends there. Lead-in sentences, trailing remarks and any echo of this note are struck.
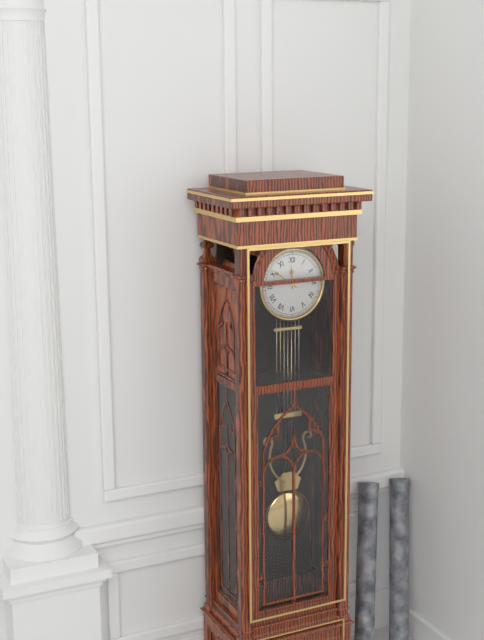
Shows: 11:51
